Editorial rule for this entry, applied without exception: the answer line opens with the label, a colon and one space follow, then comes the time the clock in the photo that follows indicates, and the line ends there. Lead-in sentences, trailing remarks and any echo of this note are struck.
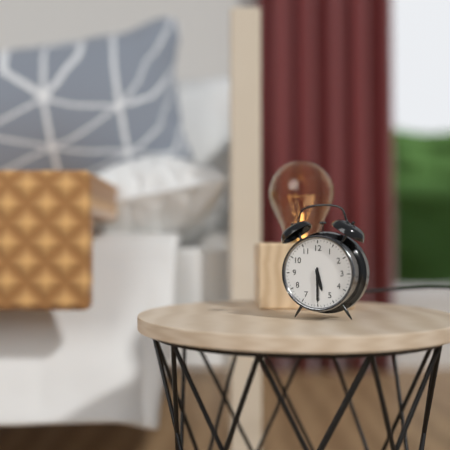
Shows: 5:30
